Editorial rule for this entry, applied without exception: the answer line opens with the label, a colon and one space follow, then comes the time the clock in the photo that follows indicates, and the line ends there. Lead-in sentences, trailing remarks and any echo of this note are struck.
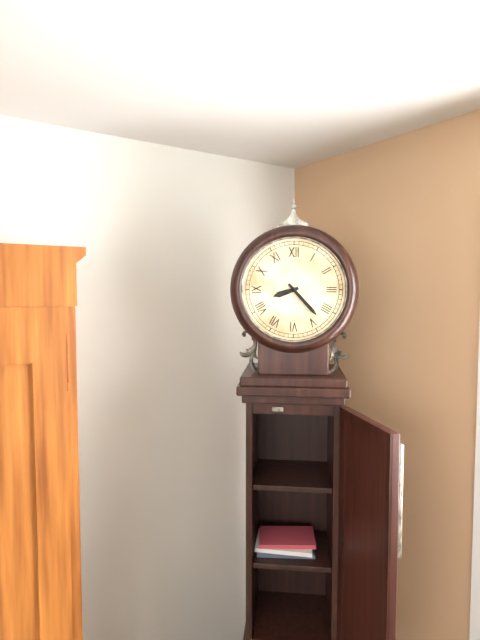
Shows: 8:23
